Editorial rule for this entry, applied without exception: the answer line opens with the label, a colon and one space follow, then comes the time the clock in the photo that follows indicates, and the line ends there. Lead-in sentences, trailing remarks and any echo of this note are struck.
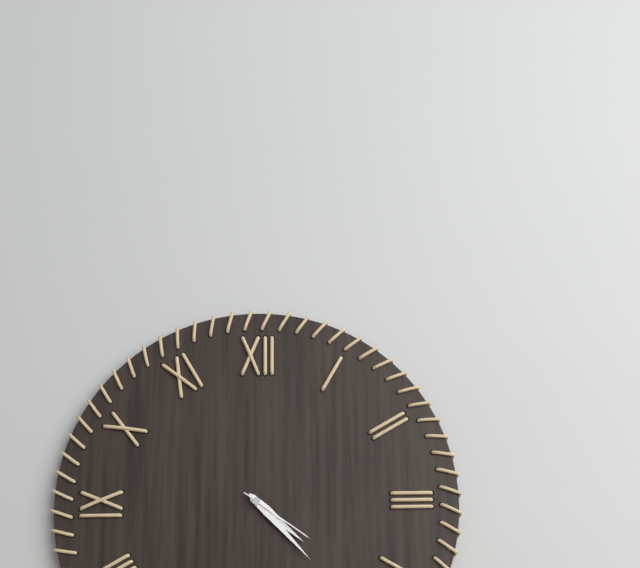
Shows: 4:23:21
